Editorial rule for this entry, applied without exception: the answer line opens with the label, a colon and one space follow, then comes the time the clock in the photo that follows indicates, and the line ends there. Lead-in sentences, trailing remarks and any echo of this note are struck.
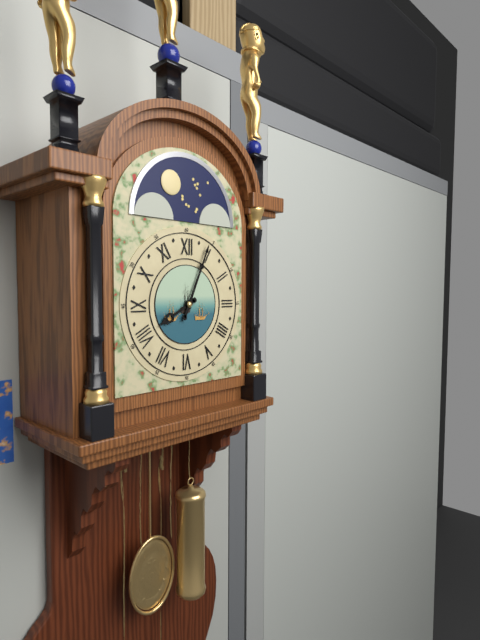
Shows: 8:04
